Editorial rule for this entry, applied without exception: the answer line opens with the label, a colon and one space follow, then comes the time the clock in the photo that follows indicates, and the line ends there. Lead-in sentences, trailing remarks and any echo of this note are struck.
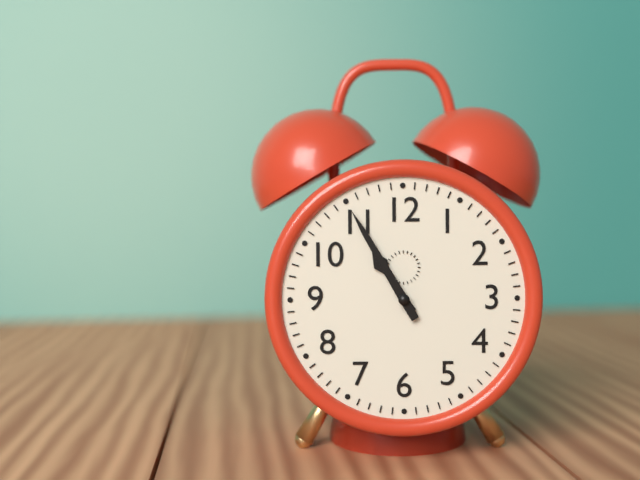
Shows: 10:55
